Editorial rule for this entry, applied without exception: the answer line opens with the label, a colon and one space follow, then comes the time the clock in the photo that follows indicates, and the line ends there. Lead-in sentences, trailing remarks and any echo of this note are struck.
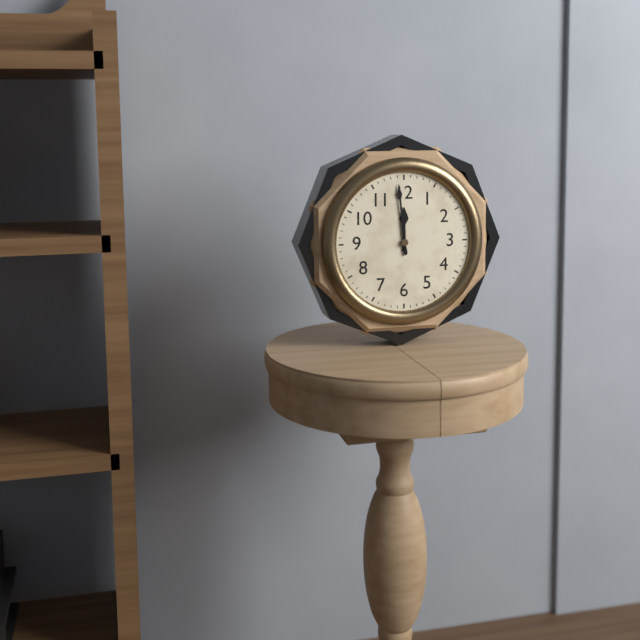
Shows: 11:59
